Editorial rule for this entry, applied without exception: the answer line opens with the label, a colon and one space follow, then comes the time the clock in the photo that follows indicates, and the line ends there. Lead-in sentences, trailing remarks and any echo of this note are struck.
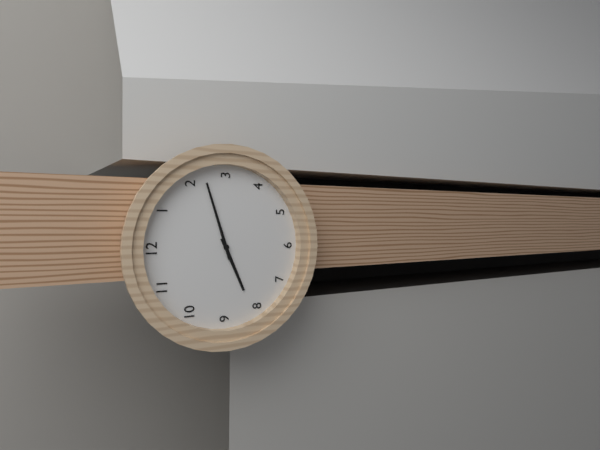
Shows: 8:12
